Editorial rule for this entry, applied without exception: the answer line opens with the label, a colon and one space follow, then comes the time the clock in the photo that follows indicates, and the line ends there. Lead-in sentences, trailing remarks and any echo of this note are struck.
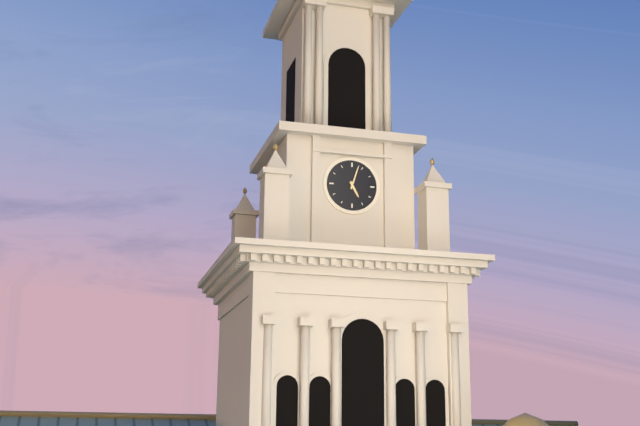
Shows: 5:03
